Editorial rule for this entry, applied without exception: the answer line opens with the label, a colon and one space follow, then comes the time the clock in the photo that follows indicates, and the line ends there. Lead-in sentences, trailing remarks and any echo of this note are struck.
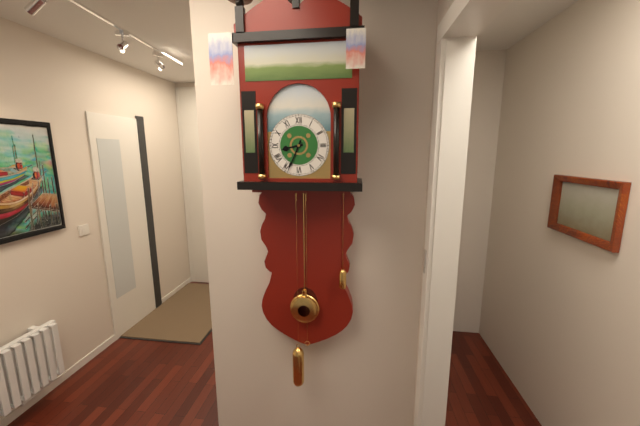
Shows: 8:34
